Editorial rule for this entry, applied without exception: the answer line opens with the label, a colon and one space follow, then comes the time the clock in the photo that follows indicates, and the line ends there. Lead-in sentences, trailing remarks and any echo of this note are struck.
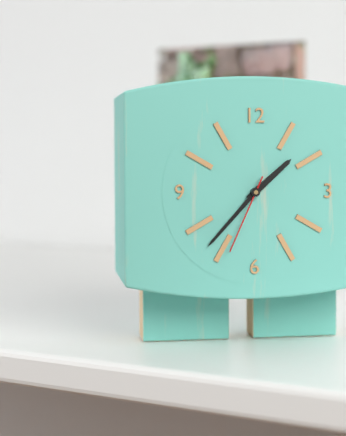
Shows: 1:37:34
